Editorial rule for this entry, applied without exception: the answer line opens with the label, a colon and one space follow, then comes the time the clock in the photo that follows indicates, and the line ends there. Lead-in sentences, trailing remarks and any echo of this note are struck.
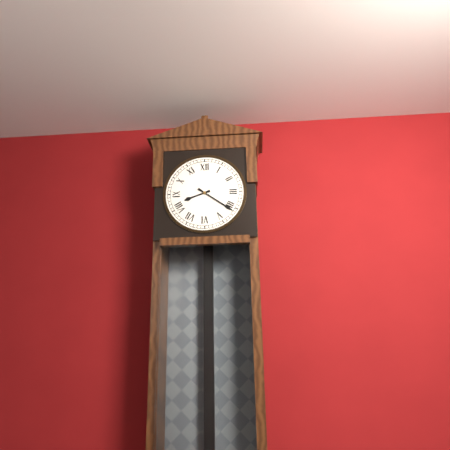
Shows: 8:21
